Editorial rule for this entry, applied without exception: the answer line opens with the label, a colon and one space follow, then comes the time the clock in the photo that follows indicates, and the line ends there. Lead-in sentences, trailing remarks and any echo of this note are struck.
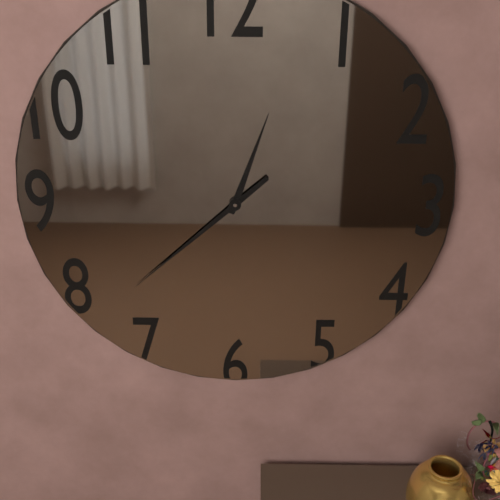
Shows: 12:38
